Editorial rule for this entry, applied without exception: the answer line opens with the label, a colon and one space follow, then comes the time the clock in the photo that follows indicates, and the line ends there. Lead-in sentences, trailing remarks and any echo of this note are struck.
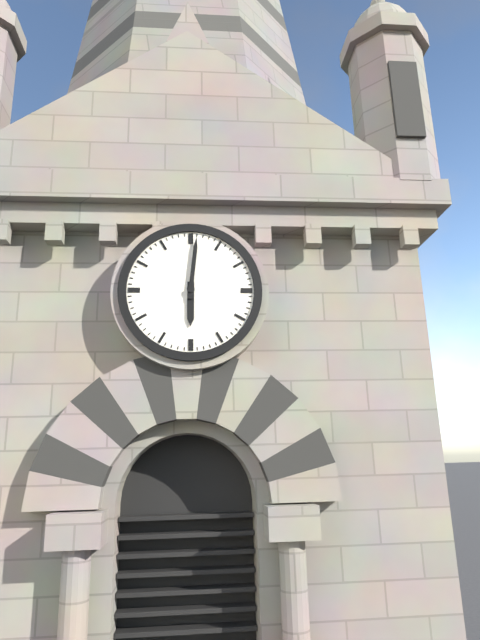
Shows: 6:01
